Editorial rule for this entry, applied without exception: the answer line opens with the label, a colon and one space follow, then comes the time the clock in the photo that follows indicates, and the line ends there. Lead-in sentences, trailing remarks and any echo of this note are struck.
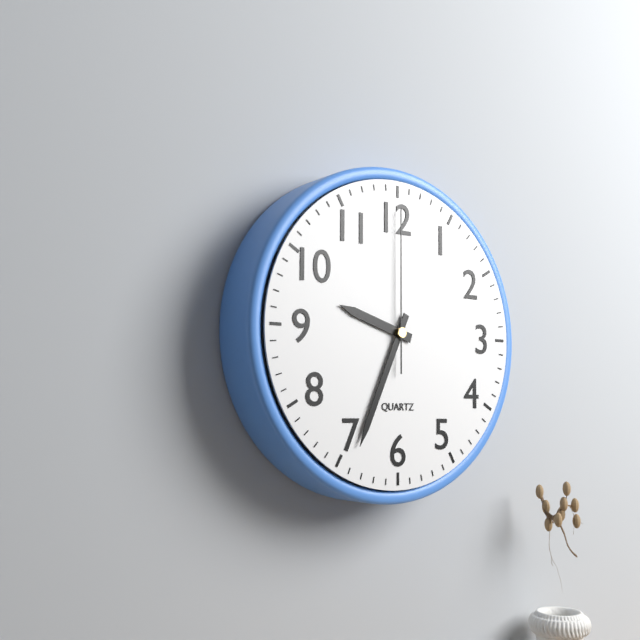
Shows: 9:34:00
